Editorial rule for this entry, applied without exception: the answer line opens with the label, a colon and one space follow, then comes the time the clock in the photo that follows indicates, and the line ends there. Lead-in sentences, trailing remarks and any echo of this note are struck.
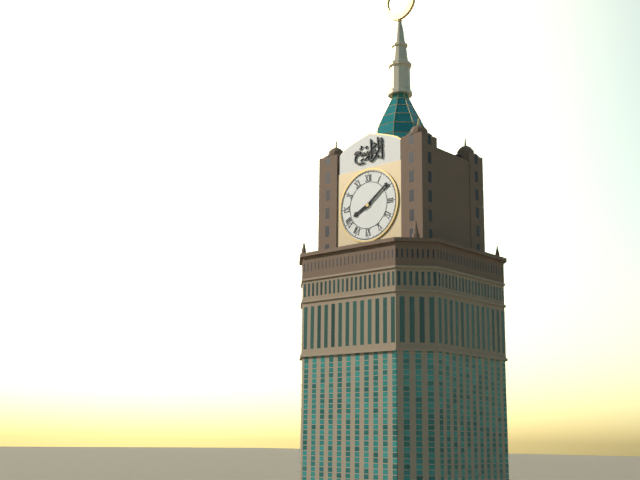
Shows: 8:09
